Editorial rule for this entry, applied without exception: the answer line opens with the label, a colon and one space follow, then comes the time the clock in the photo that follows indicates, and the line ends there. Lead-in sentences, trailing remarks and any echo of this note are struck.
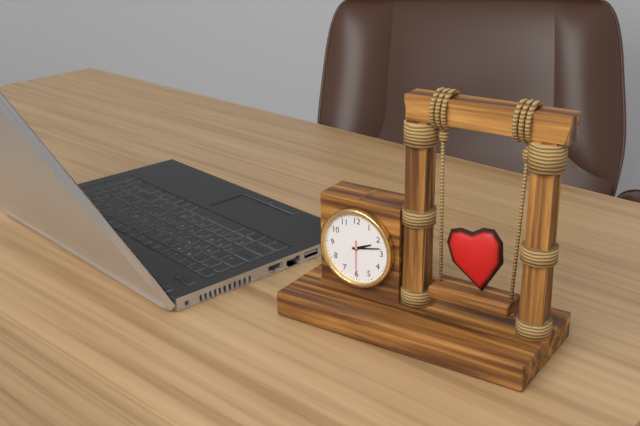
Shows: 2:13
